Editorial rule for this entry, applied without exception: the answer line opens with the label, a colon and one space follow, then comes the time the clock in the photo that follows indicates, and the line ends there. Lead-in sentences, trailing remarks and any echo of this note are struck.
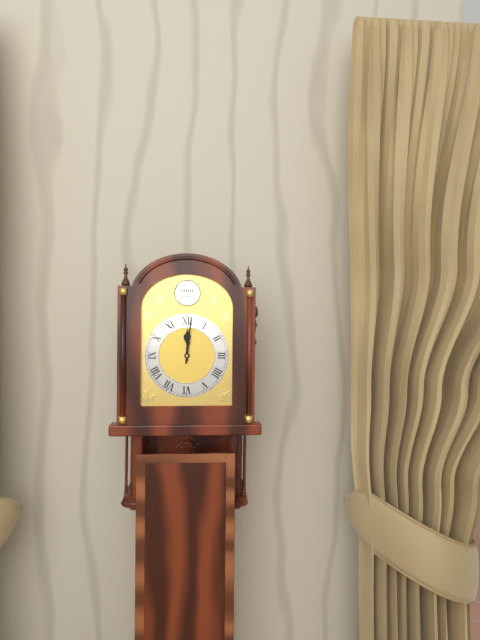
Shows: 12:01
